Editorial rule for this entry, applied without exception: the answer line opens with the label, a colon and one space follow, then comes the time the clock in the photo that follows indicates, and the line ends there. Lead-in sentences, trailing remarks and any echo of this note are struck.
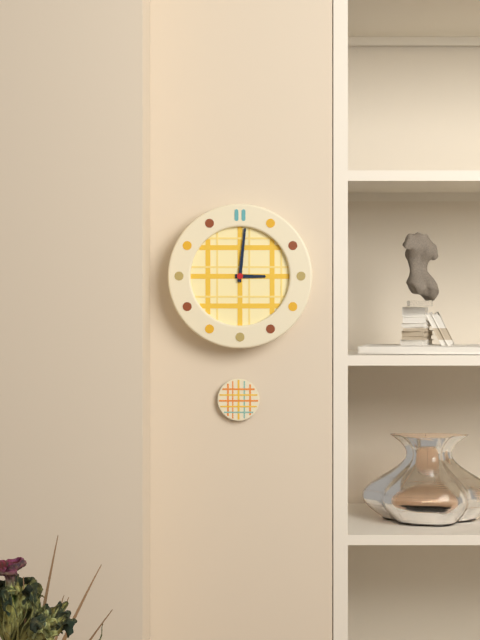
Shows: 3:01
